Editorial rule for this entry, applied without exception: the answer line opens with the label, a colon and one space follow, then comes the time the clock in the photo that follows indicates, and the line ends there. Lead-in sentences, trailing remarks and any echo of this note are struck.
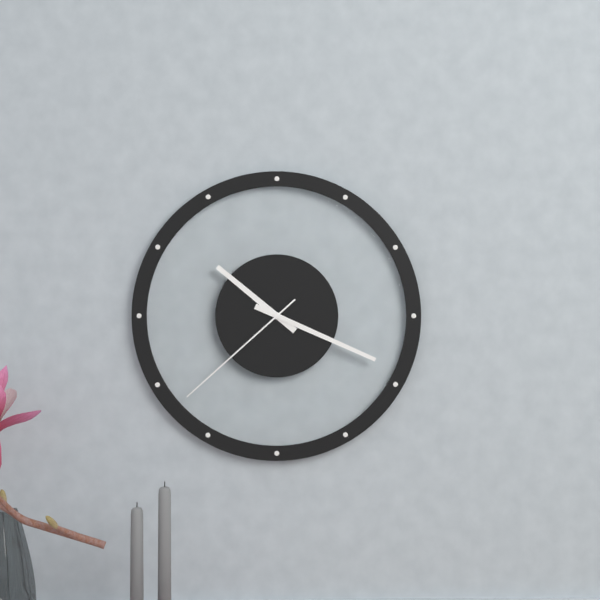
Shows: 10:19:38
